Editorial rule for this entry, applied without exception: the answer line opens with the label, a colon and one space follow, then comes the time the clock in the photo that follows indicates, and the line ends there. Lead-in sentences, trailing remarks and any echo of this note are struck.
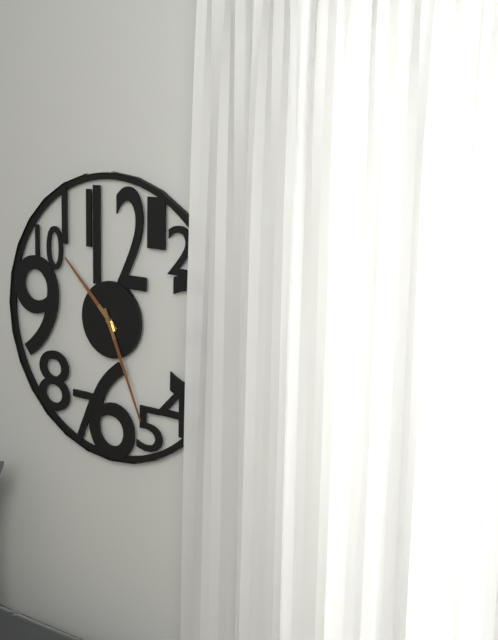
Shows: 10:26
